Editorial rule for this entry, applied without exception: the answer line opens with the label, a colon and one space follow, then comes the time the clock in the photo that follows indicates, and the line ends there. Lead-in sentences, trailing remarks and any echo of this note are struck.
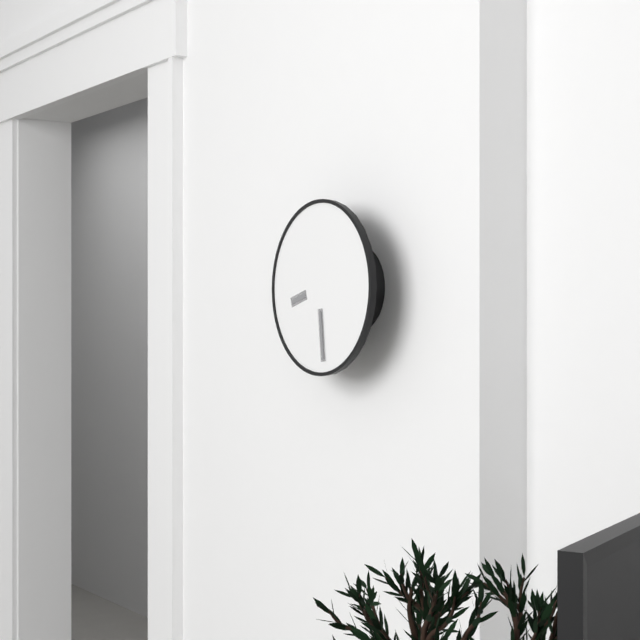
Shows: 8:29
